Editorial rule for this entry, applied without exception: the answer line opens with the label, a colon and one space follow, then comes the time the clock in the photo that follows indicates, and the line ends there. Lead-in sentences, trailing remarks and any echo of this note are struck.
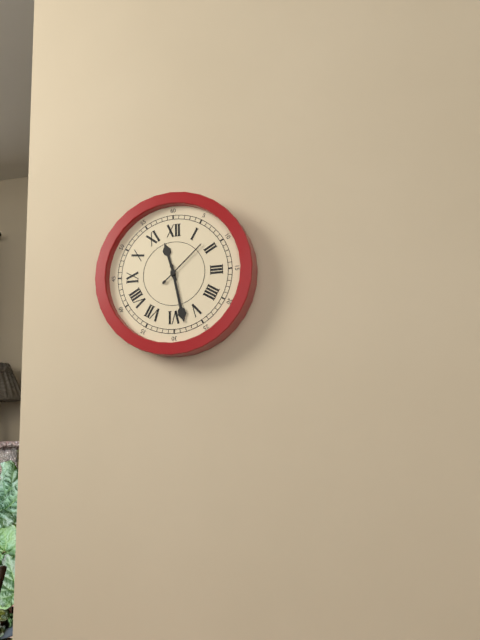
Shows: 11:28:08
